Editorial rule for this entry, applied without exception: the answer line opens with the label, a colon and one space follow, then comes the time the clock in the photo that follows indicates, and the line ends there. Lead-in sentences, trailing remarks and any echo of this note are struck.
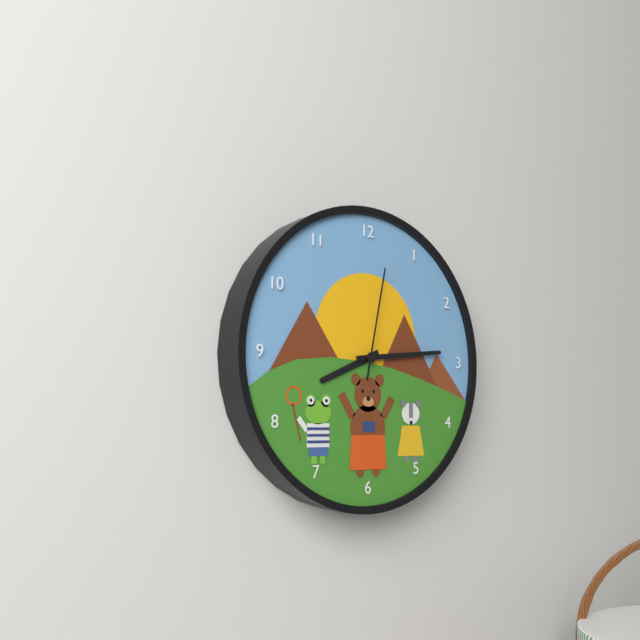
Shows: 8:14:02
